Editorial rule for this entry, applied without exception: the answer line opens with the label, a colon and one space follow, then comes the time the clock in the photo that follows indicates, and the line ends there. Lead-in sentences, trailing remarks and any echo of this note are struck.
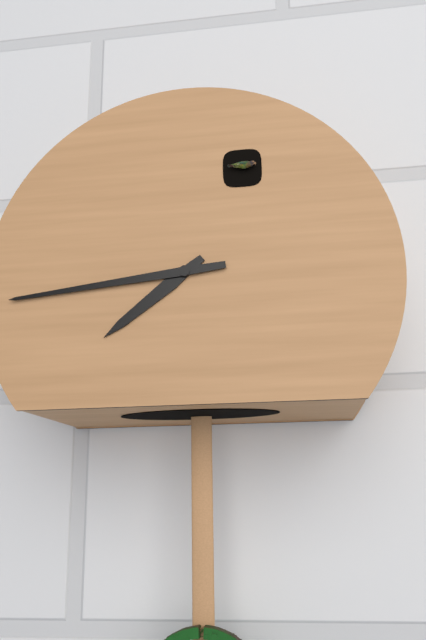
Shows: 7:44
